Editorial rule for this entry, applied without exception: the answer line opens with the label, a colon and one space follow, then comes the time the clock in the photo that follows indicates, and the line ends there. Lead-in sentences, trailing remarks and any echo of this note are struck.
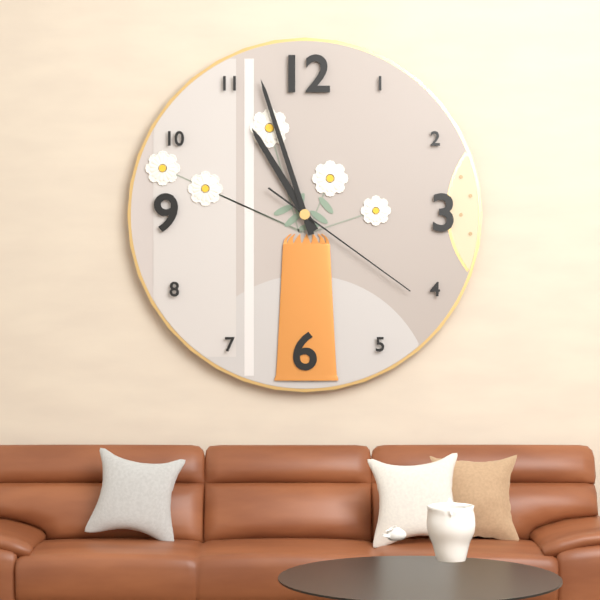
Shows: 10:57:21
